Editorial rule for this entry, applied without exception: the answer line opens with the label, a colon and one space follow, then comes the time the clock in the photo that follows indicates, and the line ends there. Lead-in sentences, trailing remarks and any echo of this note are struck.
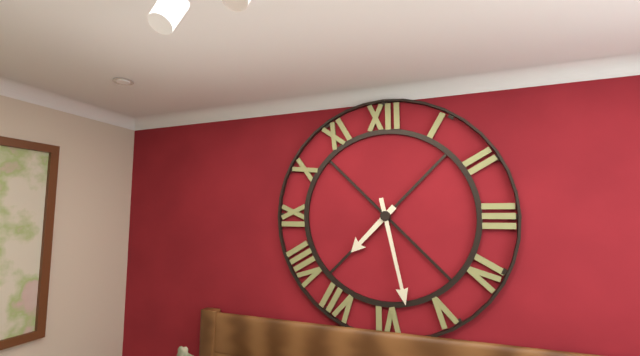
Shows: 7:28
